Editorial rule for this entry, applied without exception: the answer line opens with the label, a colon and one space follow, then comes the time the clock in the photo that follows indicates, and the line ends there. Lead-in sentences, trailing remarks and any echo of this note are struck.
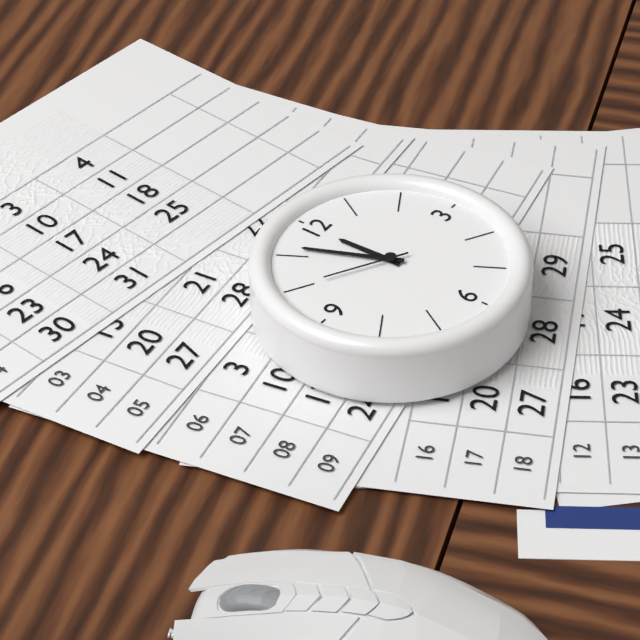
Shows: 11:56:50
